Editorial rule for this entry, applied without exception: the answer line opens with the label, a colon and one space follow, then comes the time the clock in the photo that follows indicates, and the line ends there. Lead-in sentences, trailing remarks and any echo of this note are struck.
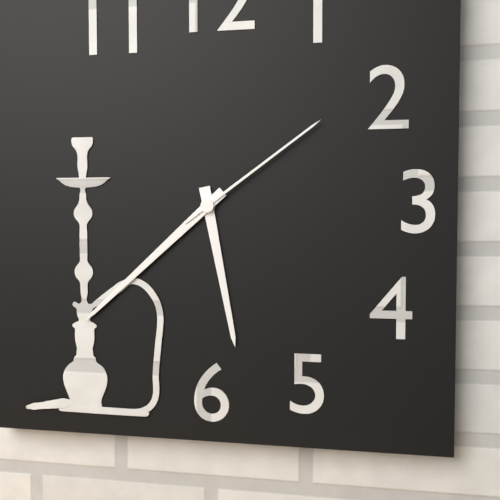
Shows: 5:38:09
